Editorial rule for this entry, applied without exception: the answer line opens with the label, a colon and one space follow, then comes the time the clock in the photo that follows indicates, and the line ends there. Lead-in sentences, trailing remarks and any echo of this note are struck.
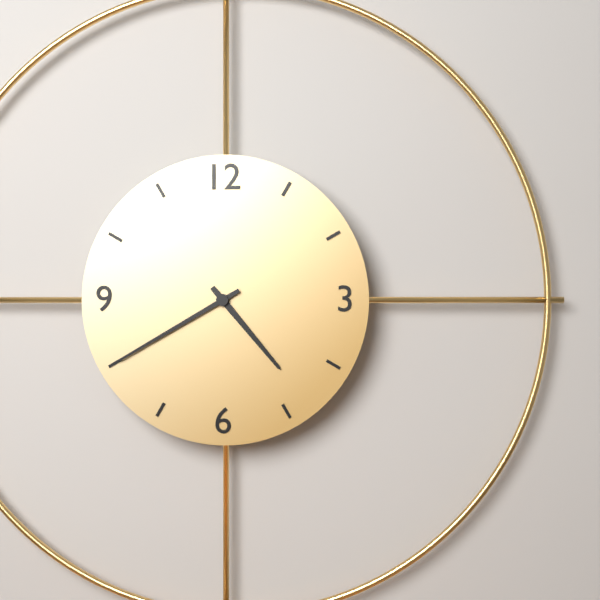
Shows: 4:40
